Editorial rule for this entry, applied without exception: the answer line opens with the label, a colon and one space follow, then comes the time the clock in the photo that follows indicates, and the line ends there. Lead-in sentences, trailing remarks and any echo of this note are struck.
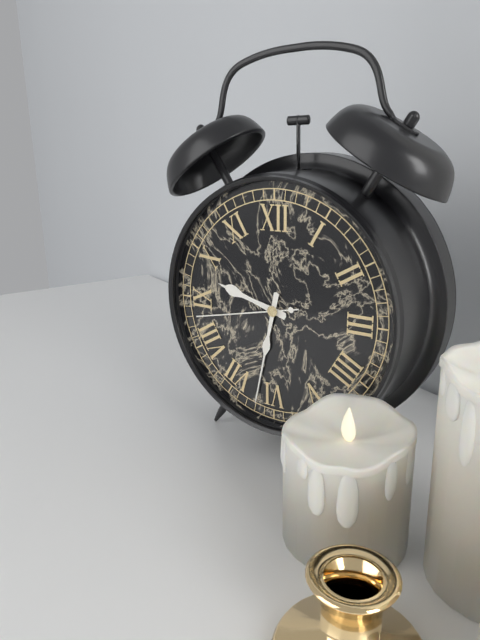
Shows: 9:32:43
